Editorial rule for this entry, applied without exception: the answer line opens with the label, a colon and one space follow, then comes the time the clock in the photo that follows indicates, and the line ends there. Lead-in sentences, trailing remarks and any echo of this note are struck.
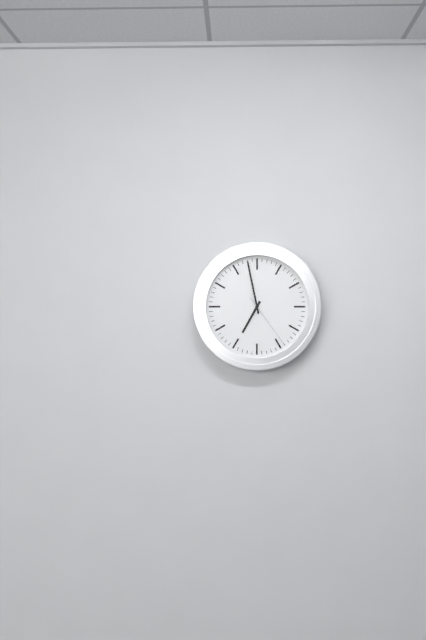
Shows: 6:58:24
